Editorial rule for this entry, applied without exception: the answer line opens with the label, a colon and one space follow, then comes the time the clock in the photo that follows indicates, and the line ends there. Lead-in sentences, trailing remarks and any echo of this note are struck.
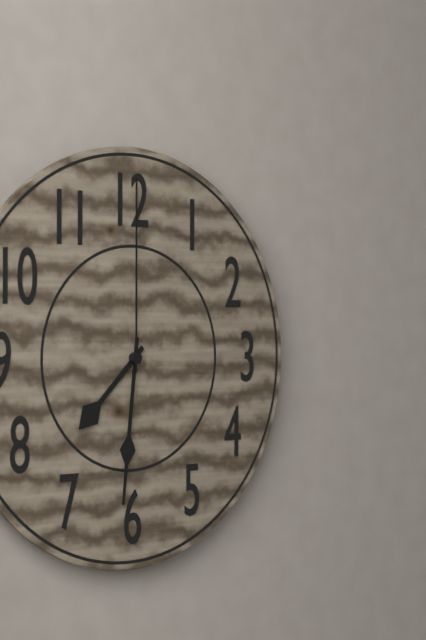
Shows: 7:31:00
